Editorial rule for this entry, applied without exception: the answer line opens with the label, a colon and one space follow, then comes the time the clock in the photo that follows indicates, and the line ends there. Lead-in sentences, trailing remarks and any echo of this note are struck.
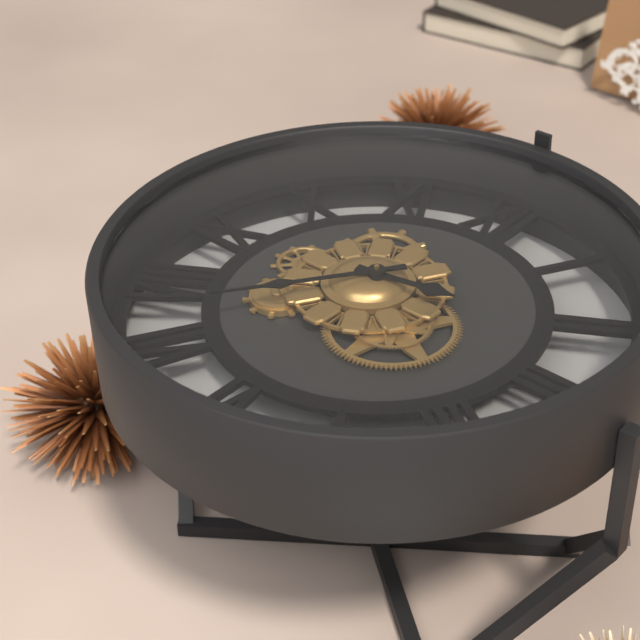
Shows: 2:36
